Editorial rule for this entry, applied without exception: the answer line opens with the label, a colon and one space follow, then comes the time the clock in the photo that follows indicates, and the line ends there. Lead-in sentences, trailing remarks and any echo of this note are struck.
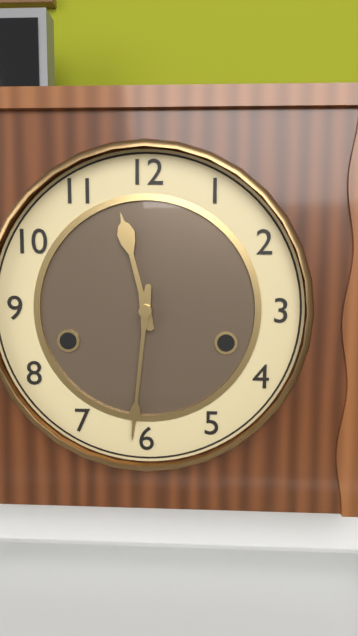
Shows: 11:31
